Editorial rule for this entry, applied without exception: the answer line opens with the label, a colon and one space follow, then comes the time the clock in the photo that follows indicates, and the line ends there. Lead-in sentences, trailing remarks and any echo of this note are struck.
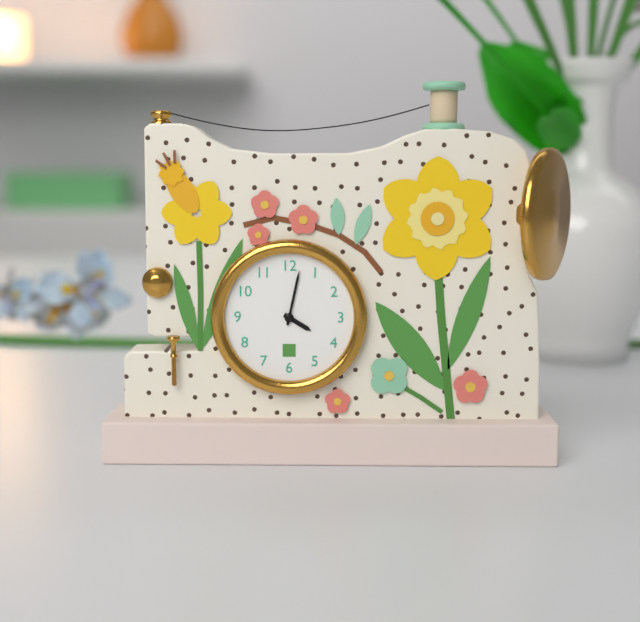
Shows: 4:02
